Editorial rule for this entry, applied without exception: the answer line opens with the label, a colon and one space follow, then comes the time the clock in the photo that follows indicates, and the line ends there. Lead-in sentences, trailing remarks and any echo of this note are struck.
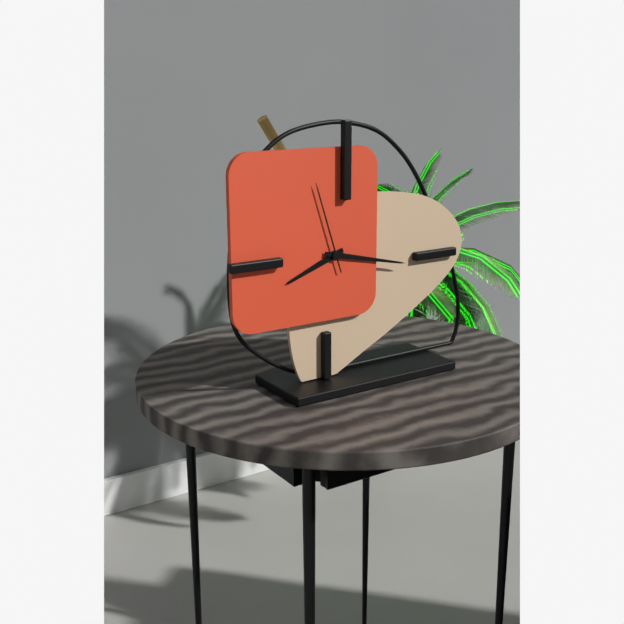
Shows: 8:17:57
